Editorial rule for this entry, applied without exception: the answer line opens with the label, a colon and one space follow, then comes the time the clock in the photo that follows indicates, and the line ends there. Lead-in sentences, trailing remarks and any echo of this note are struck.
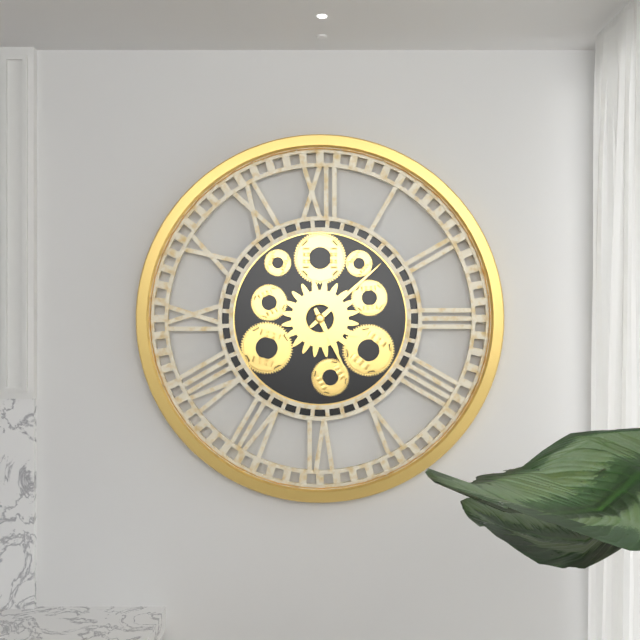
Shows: 5:08
